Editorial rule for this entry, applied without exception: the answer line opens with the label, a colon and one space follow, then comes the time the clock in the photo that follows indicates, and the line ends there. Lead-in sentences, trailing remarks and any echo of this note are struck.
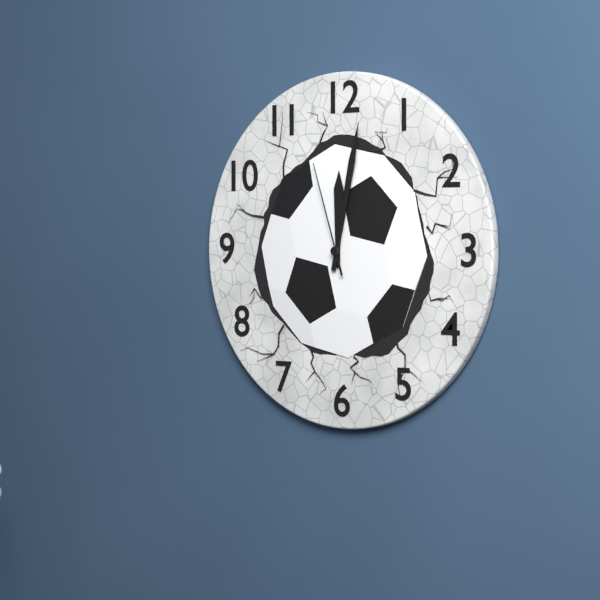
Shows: 12:02:57
